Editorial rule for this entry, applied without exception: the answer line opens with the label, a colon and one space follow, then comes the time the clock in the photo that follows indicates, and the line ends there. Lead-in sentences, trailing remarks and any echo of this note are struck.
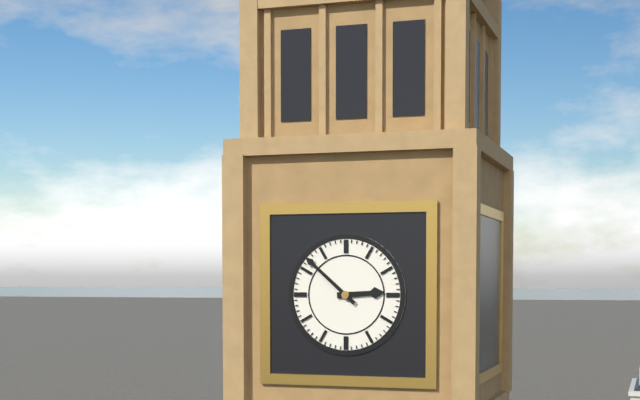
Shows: 2:52
